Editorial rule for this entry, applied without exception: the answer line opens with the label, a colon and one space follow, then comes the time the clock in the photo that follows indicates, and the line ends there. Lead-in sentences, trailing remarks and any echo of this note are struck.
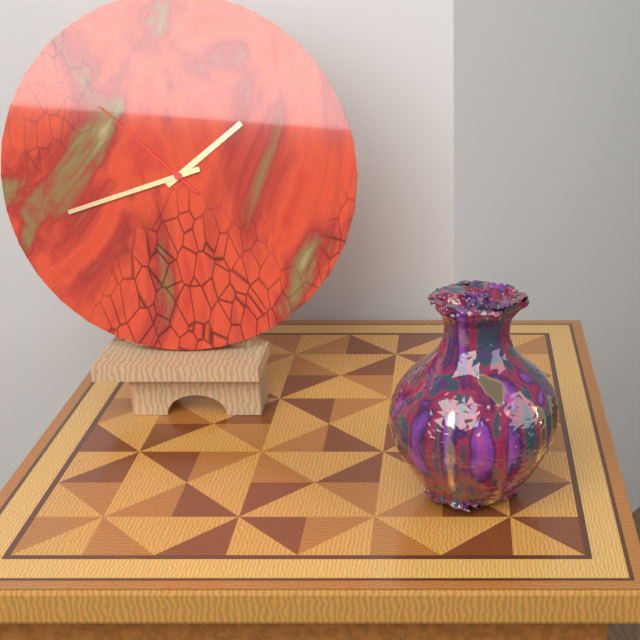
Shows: 1:42:52
